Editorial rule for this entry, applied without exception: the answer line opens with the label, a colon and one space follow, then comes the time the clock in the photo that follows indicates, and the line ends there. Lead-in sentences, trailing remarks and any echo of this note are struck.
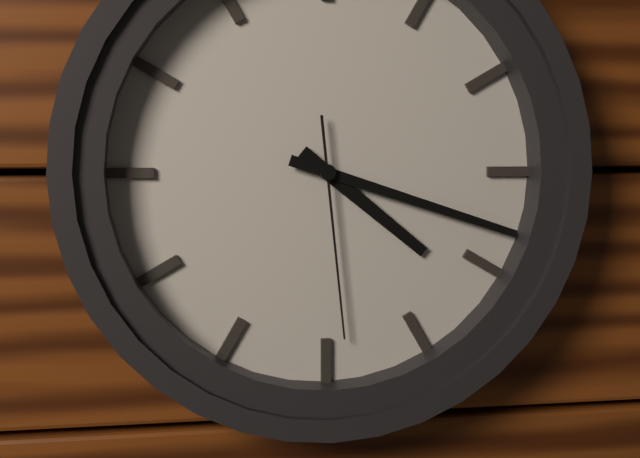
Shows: 4:18:29
